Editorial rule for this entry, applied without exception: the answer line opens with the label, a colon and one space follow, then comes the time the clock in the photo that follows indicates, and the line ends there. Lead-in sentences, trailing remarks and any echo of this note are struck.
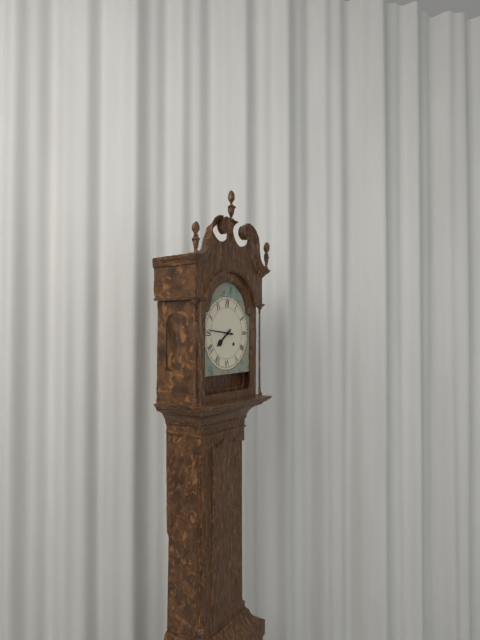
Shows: 7:46
